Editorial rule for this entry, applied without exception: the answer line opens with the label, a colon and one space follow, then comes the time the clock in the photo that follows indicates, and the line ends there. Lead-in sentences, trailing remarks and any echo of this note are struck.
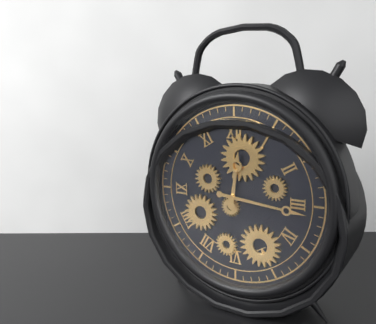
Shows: 12:16
